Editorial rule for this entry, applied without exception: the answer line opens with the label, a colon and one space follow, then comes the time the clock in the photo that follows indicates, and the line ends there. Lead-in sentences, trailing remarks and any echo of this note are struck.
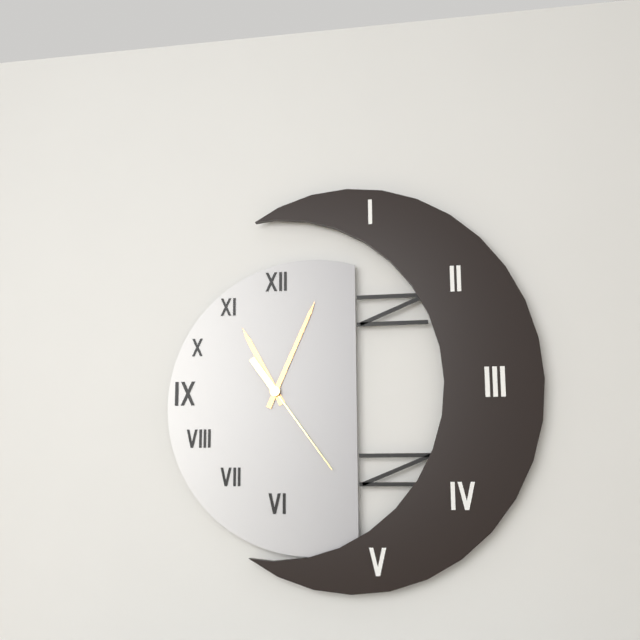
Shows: 11:04:24
